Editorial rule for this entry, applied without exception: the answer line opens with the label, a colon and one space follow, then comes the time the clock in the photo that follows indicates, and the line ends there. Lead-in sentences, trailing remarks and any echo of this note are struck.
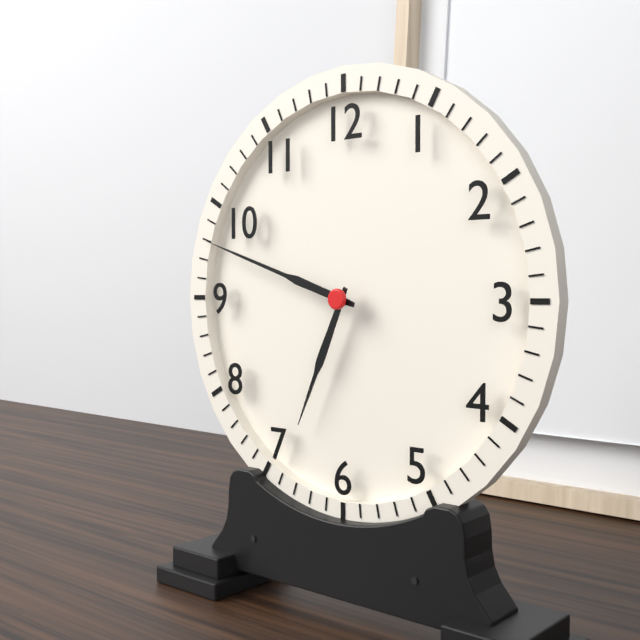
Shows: 6:48
